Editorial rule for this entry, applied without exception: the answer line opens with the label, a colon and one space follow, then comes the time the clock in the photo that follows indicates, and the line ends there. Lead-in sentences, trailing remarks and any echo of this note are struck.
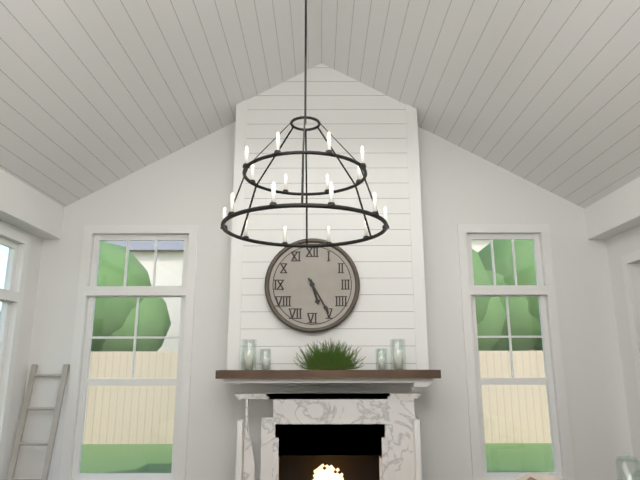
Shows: 5:25
